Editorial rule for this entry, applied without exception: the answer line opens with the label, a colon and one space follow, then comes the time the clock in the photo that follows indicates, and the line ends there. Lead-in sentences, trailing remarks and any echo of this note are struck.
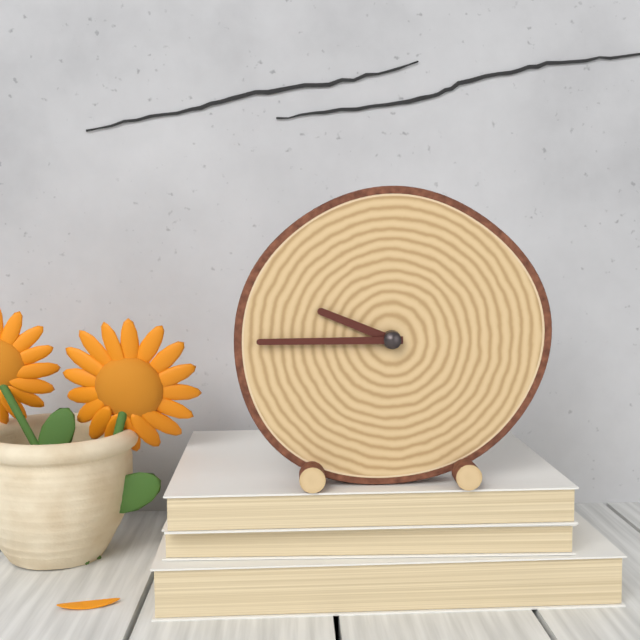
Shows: 9:45
